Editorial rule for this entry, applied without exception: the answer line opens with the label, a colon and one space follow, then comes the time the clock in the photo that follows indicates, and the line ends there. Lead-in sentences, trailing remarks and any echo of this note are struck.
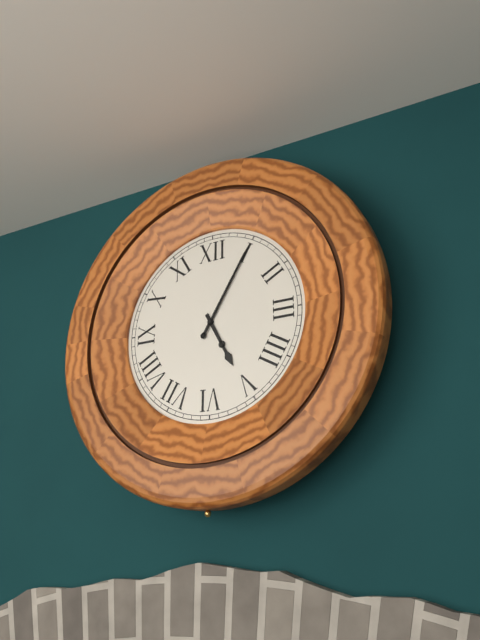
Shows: 5:05
